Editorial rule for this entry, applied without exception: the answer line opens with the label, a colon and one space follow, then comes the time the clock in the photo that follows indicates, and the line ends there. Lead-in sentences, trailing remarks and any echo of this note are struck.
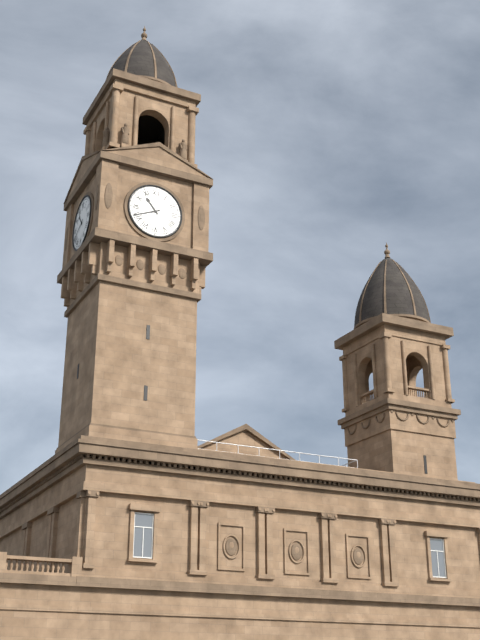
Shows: 10:41
